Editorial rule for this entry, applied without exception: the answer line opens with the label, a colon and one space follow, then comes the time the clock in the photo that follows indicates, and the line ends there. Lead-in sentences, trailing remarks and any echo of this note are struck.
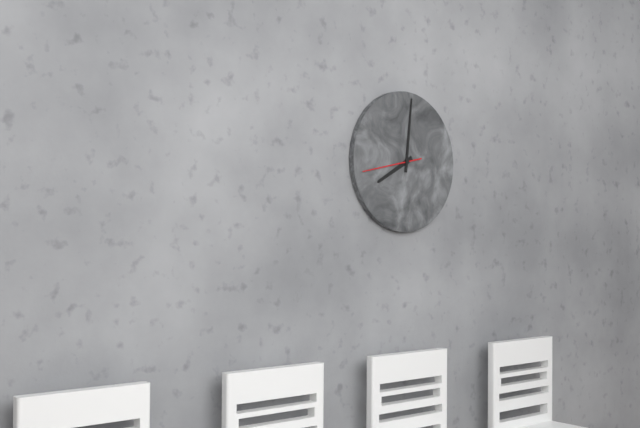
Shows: 8:01:43
